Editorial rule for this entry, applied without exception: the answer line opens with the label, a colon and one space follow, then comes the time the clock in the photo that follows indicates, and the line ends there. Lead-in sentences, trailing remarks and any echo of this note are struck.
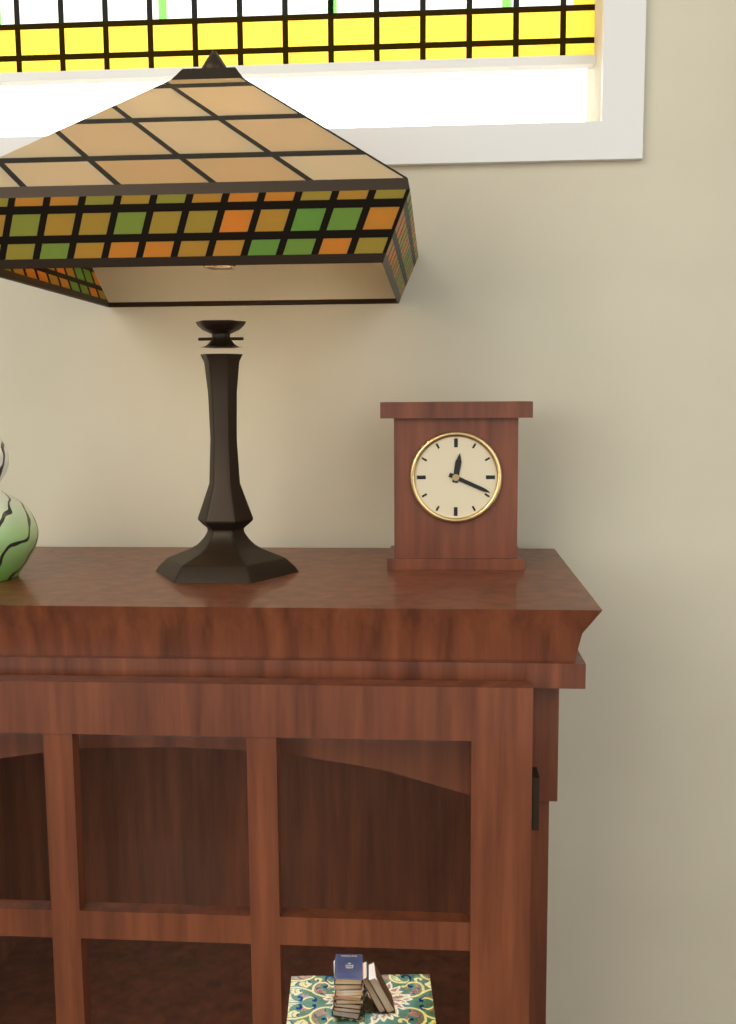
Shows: 12:19
